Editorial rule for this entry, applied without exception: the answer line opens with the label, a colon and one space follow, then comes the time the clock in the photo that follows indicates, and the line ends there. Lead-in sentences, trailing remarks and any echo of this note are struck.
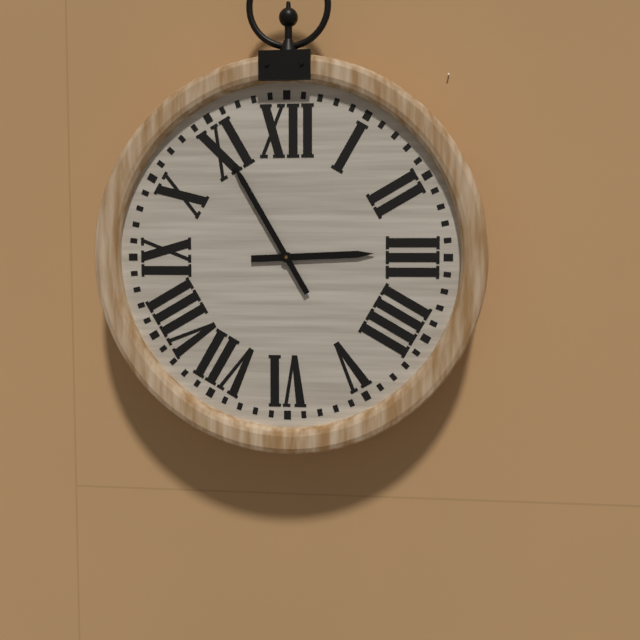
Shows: 2:55
